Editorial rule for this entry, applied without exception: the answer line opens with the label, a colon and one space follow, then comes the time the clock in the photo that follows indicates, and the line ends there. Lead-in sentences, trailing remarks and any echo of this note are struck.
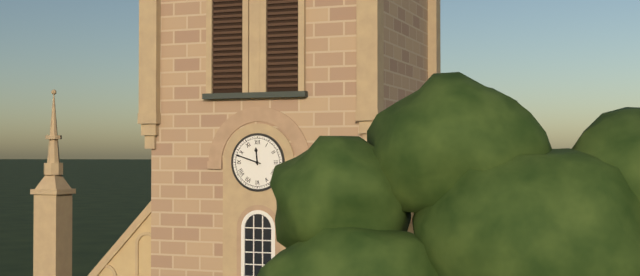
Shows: 11:48
